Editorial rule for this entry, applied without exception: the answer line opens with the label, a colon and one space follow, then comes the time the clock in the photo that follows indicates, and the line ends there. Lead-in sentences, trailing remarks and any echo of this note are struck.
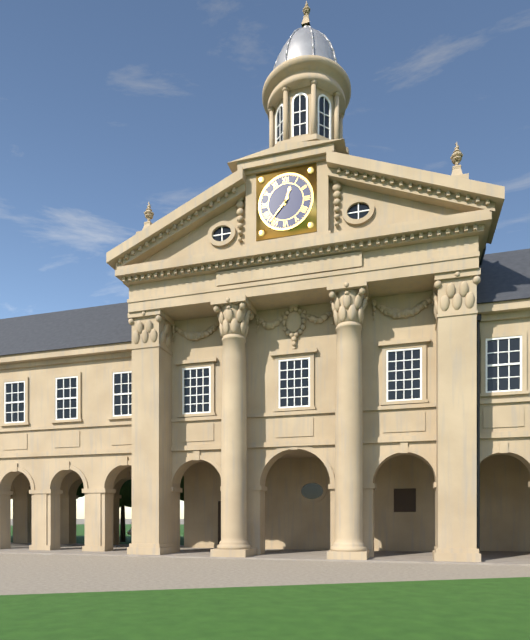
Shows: 12:37
